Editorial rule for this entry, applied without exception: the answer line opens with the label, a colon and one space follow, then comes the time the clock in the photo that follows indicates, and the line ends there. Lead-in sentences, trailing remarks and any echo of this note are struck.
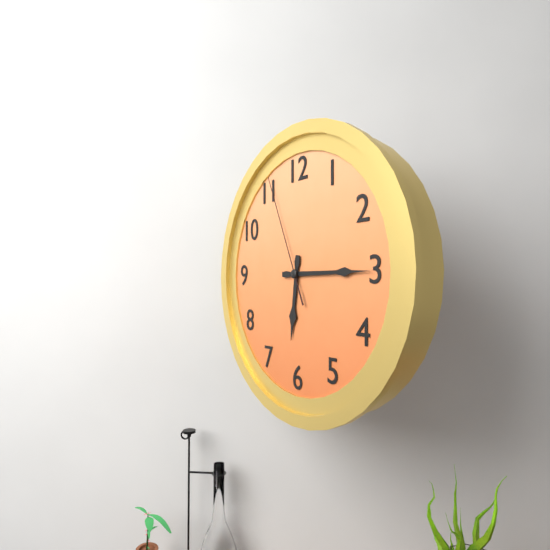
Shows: 6:15:56
